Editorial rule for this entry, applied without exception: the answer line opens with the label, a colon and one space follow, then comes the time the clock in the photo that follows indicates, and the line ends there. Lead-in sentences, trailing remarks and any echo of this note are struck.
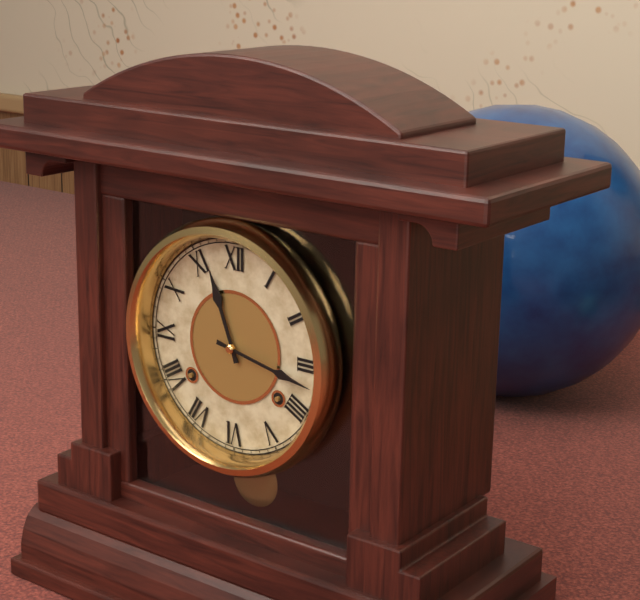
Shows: 11:17
